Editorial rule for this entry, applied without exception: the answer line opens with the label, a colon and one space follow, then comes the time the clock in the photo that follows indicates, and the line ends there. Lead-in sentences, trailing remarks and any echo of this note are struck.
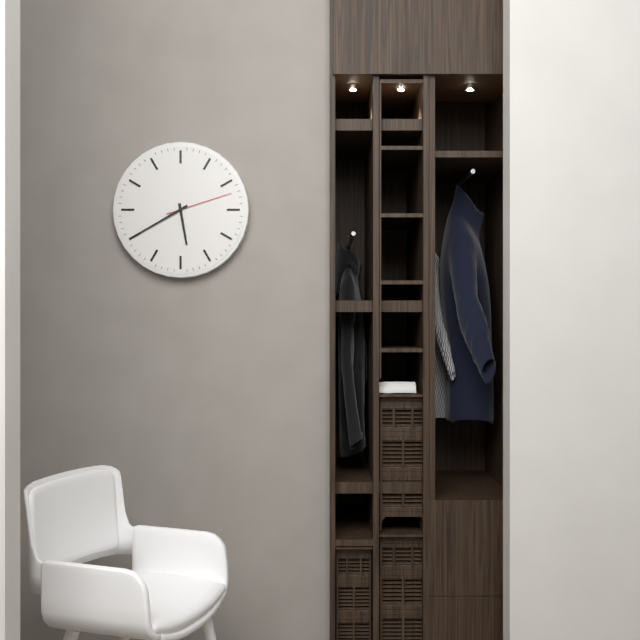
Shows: 5:40:12
